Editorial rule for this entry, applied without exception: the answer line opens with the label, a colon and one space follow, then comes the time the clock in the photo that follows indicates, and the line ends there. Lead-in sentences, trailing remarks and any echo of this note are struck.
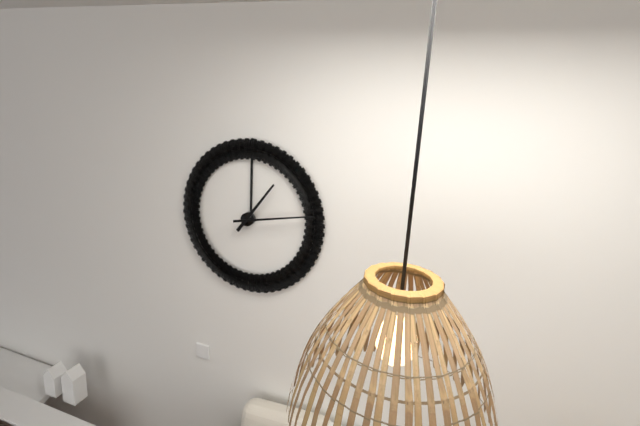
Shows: 1:13
